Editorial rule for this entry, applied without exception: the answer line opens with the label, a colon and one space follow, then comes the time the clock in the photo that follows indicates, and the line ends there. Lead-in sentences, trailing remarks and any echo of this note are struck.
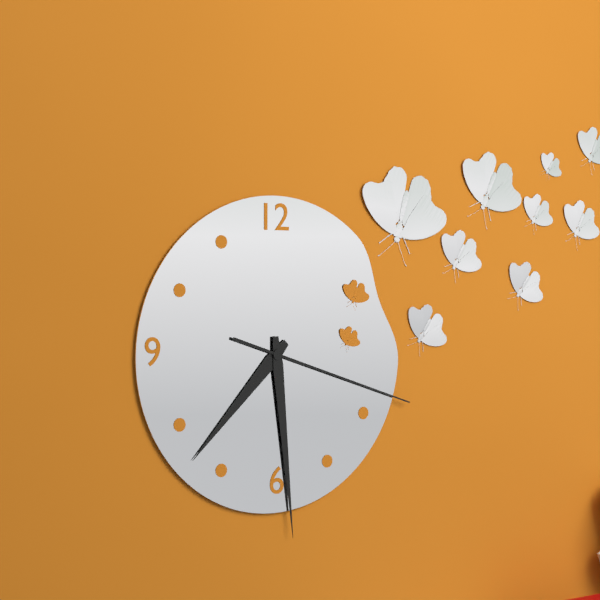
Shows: 7:29:18
